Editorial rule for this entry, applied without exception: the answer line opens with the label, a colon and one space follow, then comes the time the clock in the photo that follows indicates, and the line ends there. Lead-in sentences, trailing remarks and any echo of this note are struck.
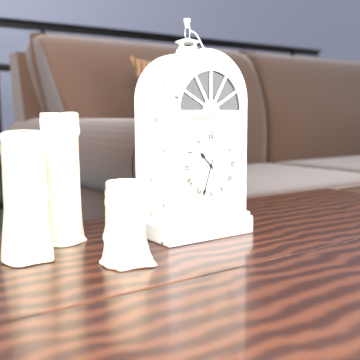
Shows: 10:33
